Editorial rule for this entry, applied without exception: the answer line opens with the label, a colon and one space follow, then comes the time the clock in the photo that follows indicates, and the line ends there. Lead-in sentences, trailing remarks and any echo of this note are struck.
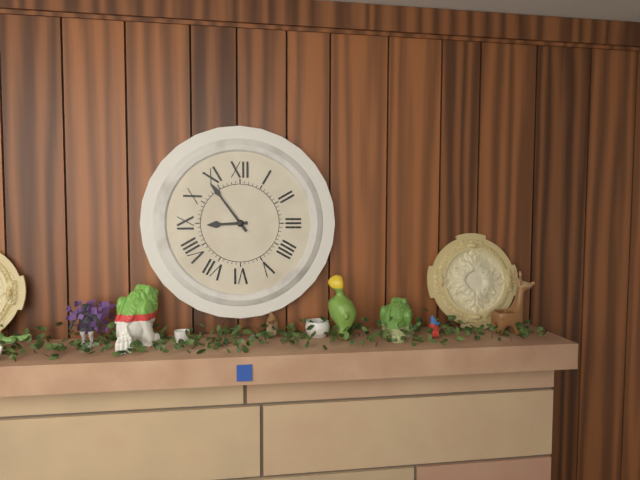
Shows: 8:54
